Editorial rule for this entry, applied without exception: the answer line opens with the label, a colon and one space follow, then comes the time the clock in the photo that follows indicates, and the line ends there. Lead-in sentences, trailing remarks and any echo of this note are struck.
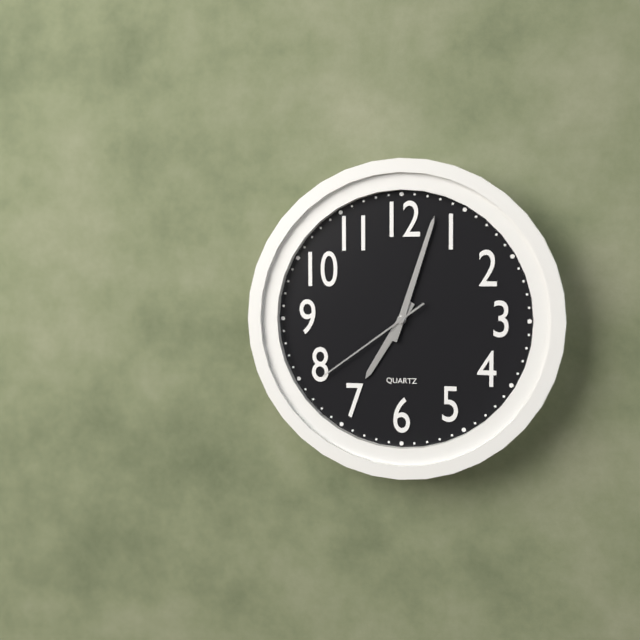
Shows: 7:03:39
